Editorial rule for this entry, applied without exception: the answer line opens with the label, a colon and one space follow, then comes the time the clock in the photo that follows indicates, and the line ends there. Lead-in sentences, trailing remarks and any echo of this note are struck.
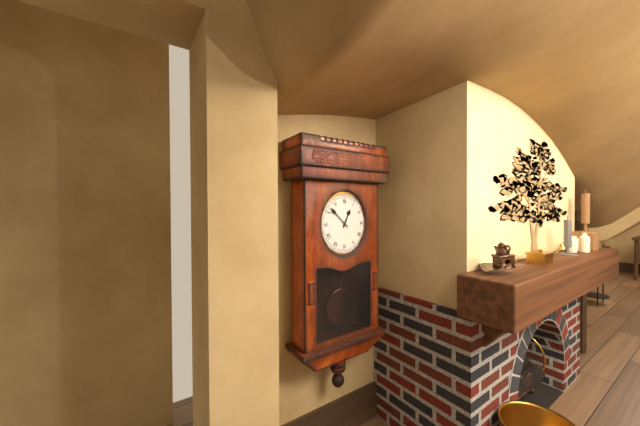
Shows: 12:52
